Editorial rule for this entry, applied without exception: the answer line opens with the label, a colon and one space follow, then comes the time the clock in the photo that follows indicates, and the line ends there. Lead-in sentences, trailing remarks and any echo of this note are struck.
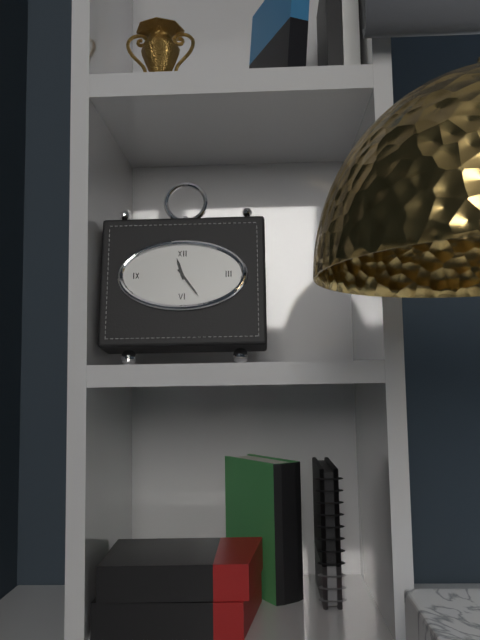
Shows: 11:24
